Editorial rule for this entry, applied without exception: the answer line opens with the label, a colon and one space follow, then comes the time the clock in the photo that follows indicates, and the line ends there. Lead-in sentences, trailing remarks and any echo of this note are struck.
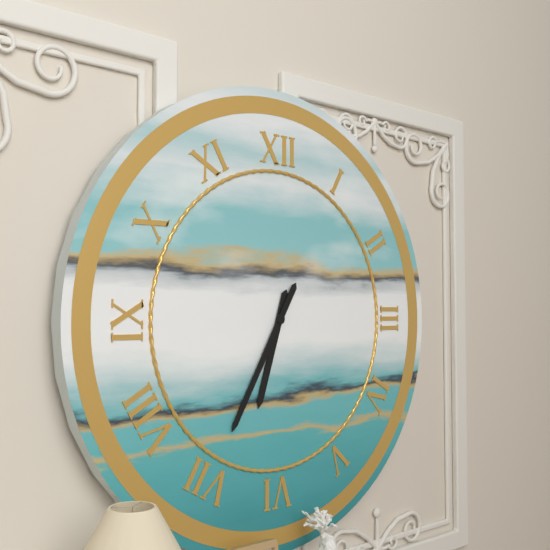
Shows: 6:35
